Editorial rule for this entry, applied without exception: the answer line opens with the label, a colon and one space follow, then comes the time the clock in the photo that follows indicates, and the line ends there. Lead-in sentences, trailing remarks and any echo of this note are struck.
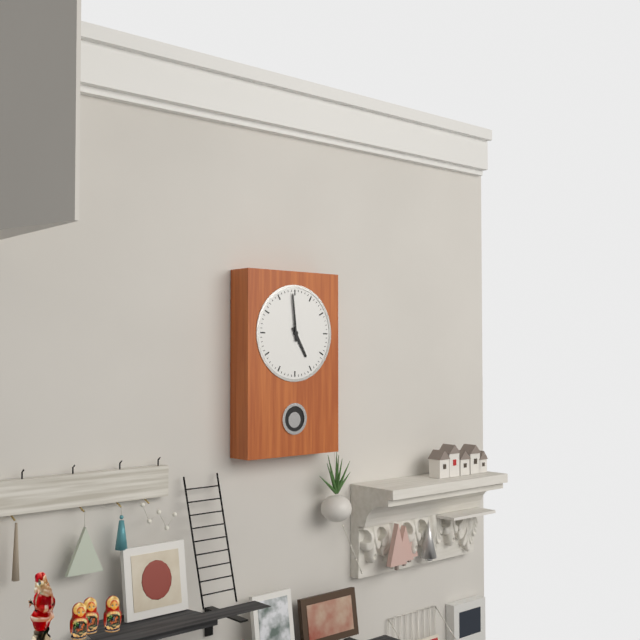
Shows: 4:59
